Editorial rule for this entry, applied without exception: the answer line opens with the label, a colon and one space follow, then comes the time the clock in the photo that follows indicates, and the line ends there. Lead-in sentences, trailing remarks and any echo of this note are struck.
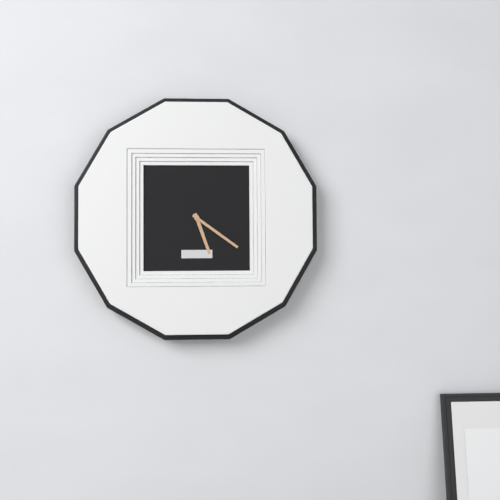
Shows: 5:21
